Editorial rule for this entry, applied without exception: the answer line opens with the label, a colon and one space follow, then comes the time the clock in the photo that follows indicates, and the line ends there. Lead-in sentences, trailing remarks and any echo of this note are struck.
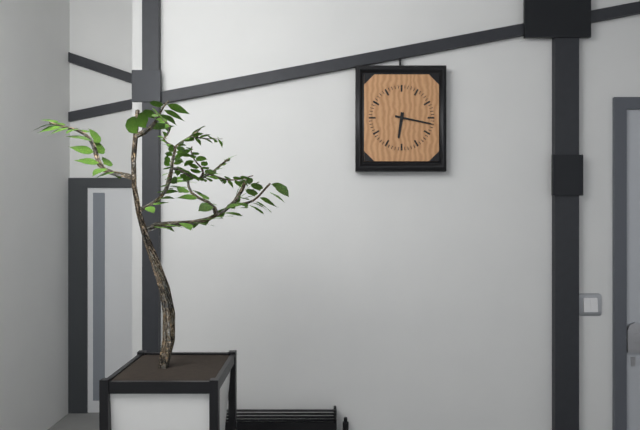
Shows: 6:17
